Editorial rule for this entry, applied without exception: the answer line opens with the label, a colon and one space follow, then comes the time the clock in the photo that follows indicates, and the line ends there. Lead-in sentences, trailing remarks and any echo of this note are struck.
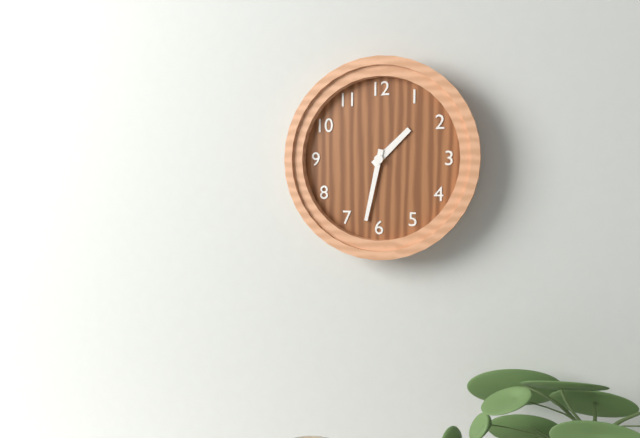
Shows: 1:32
